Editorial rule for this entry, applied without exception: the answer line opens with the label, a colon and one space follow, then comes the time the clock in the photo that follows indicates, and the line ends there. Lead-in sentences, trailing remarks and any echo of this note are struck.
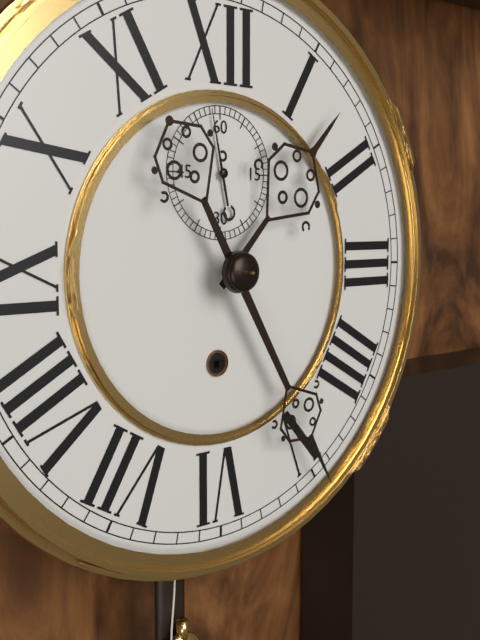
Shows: 1:25:58
